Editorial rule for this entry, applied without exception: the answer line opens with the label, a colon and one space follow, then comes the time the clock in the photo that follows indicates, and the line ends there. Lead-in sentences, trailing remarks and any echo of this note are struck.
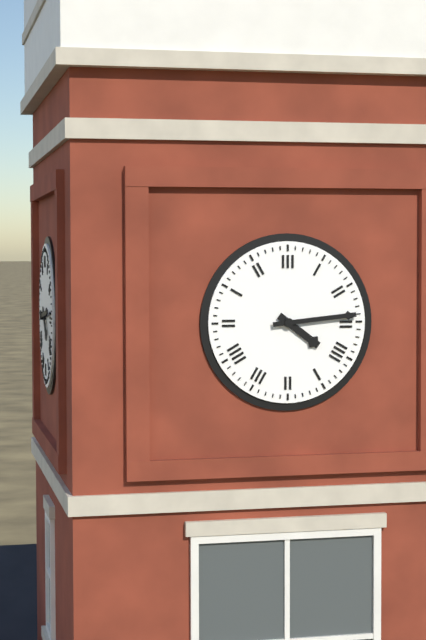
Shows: 4:14
